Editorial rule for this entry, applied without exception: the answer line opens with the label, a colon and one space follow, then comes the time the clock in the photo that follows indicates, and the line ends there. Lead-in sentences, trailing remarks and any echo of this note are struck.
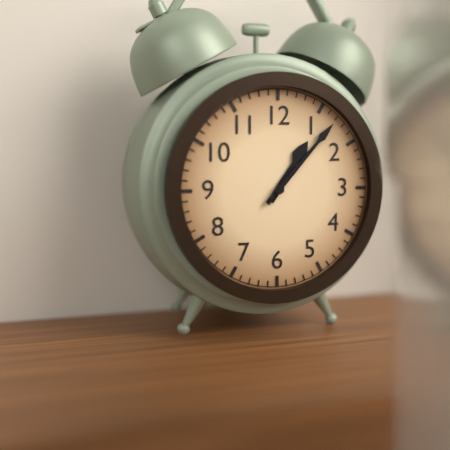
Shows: 1:07
